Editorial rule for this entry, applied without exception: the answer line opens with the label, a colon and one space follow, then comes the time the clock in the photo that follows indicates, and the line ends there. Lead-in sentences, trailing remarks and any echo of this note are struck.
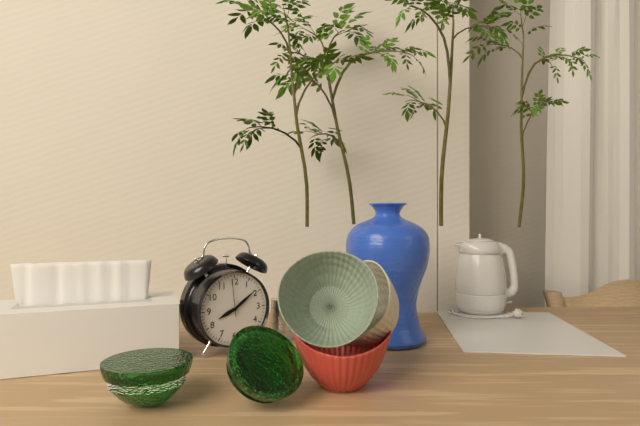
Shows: 8:09
